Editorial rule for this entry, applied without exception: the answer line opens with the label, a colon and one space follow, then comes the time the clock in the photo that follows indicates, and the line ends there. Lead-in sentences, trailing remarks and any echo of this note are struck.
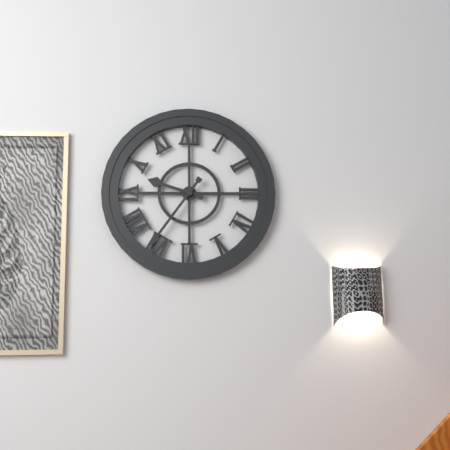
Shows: 9:36
